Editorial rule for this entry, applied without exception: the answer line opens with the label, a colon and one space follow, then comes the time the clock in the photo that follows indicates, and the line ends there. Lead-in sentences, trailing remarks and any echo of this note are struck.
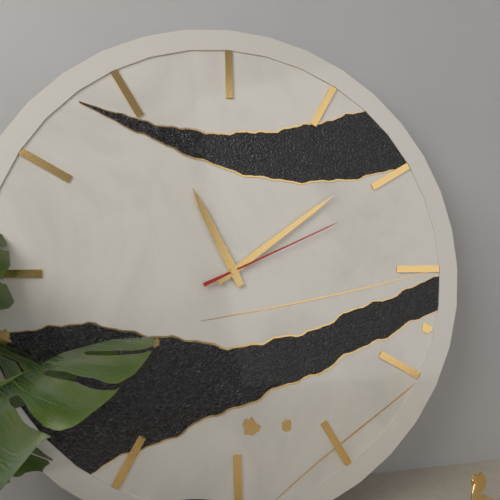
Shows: 11:09:11
